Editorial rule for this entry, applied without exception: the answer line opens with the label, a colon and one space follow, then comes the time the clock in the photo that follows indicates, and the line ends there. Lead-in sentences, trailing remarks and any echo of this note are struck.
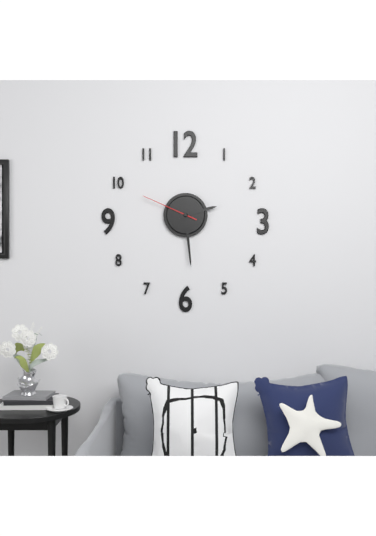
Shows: 2:29:49
